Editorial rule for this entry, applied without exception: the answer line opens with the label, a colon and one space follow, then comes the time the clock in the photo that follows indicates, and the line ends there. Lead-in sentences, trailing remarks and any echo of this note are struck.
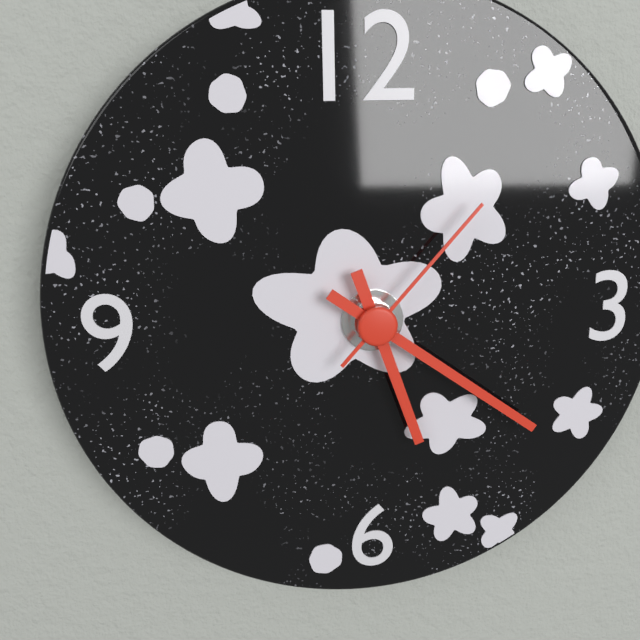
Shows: 5:21:07
